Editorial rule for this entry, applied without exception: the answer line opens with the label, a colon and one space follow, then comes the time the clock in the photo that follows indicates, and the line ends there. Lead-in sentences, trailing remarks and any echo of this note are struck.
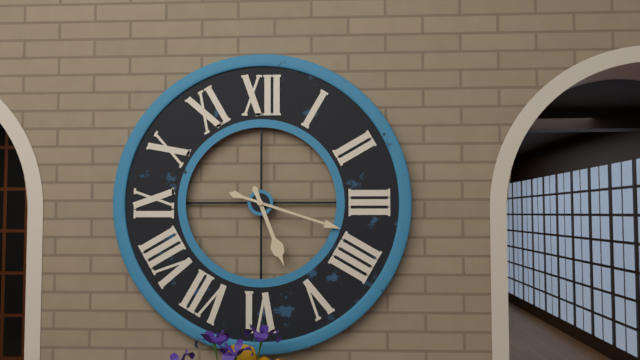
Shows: 5:18
